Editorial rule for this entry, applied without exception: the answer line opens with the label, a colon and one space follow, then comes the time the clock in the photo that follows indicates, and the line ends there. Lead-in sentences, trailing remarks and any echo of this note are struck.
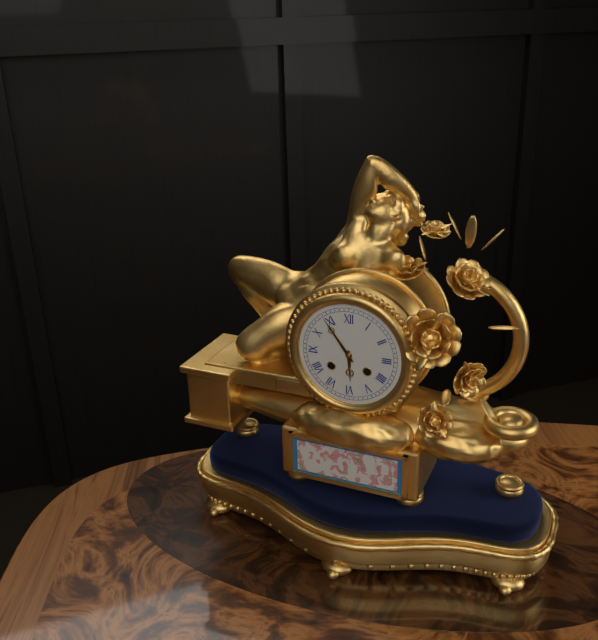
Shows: 5:54
